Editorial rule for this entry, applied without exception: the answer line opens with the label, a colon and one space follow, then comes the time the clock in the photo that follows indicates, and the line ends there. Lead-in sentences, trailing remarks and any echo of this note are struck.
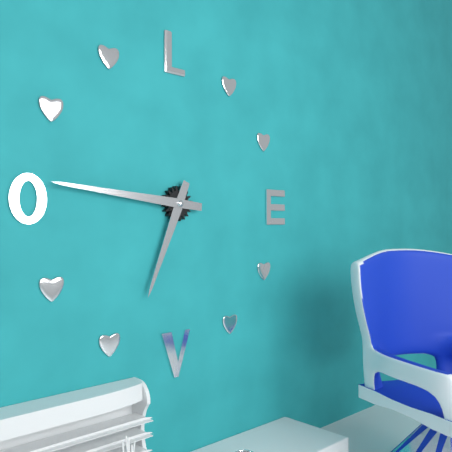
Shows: 6:46
